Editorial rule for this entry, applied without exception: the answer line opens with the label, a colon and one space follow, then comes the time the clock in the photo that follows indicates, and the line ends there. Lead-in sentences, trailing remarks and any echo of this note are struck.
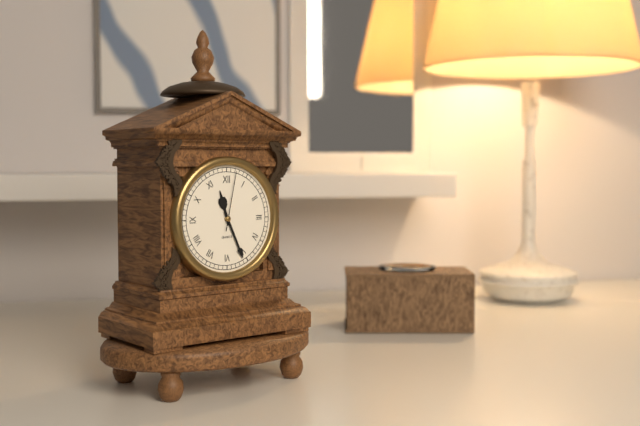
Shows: 11:26:02
